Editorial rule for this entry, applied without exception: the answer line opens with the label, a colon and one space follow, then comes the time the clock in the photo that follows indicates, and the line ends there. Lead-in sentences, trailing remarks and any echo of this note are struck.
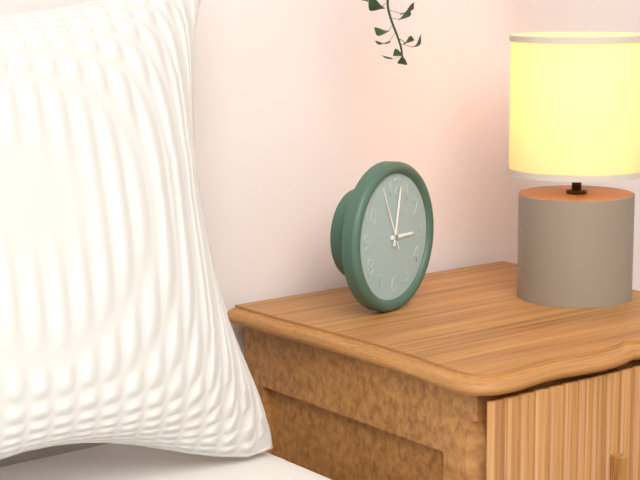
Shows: 3:02:56
